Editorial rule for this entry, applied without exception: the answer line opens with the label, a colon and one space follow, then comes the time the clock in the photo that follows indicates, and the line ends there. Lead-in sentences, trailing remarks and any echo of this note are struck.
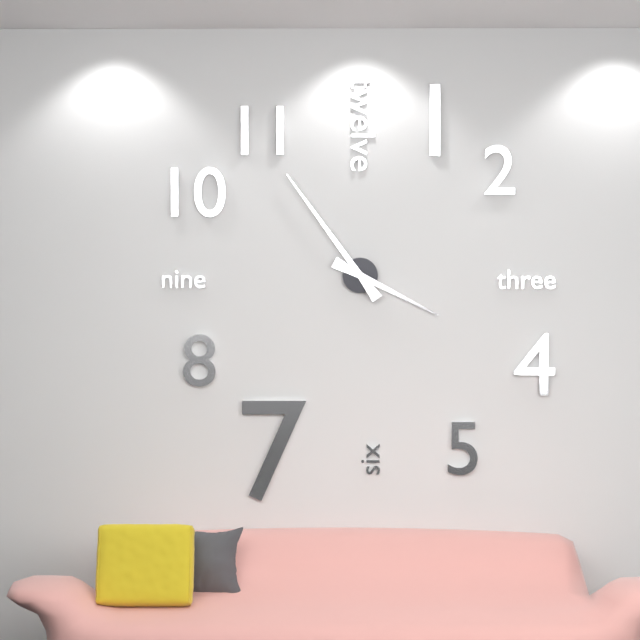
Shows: 3:54
